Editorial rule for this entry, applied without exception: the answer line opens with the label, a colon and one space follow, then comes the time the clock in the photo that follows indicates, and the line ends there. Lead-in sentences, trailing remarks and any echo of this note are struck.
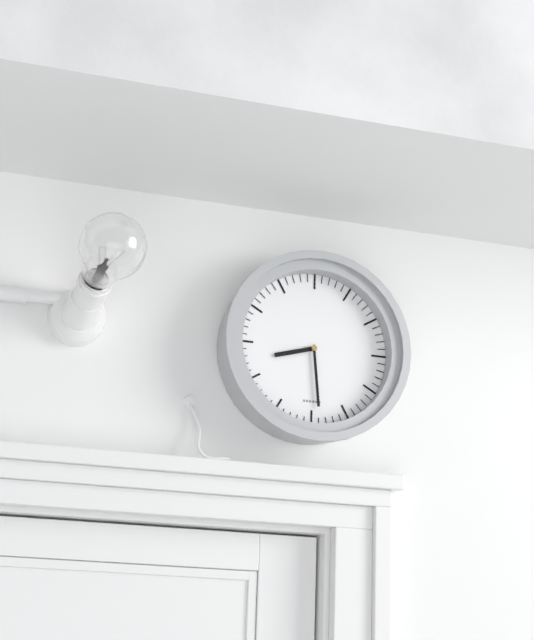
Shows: 8:29
